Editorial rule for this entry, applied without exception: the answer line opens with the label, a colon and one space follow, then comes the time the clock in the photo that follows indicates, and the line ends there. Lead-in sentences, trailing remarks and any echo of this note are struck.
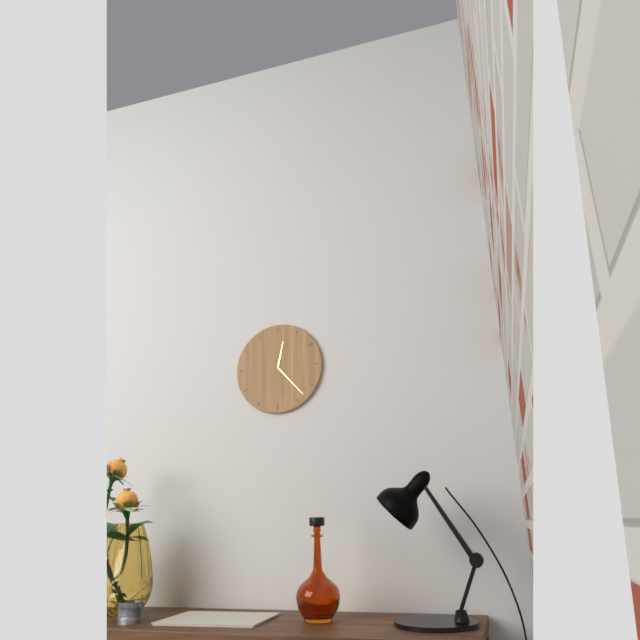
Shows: 12:23
